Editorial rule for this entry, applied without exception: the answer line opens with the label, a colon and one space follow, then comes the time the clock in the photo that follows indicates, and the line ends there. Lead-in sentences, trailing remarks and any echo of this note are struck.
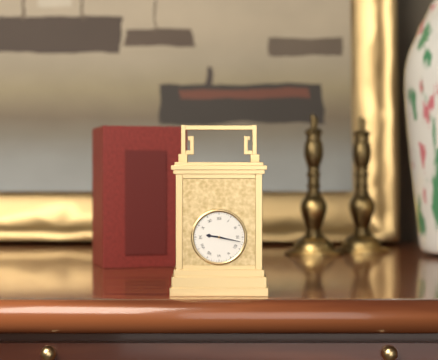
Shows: 9:17
